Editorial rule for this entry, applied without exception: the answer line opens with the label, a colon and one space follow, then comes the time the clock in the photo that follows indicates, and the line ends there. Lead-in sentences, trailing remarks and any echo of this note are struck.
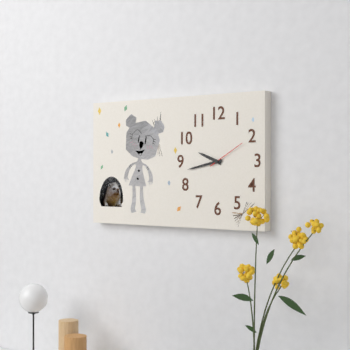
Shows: 9:43
